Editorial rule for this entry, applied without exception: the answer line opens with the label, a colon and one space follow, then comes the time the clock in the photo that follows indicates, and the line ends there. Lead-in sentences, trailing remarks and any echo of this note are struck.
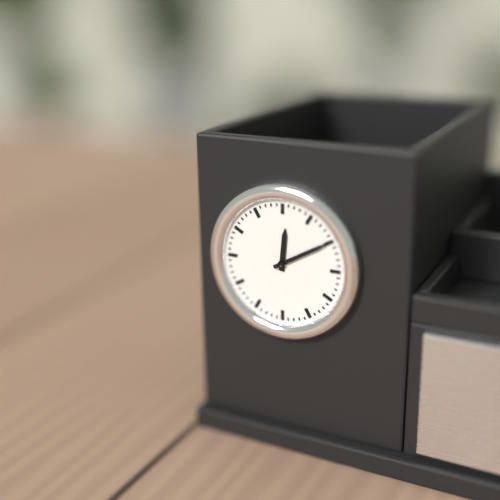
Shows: 12:10
